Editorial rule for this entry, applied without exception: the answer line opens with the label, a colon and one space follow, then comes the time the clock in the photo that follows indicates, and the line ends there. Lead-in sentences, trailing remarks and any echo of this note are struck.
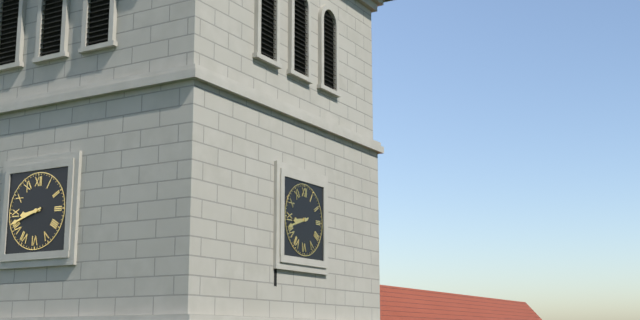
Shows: 8:42
